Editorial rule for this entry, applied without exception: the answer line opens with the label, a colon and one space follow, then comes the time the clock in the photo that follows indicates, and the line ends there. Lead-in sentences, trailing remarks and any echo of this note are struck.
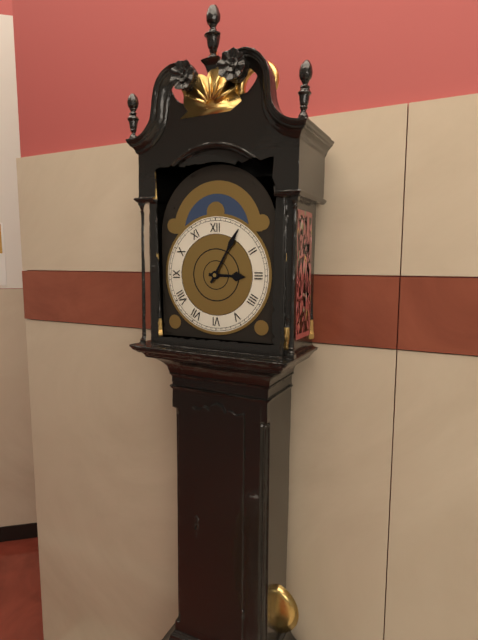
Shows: 3:05
